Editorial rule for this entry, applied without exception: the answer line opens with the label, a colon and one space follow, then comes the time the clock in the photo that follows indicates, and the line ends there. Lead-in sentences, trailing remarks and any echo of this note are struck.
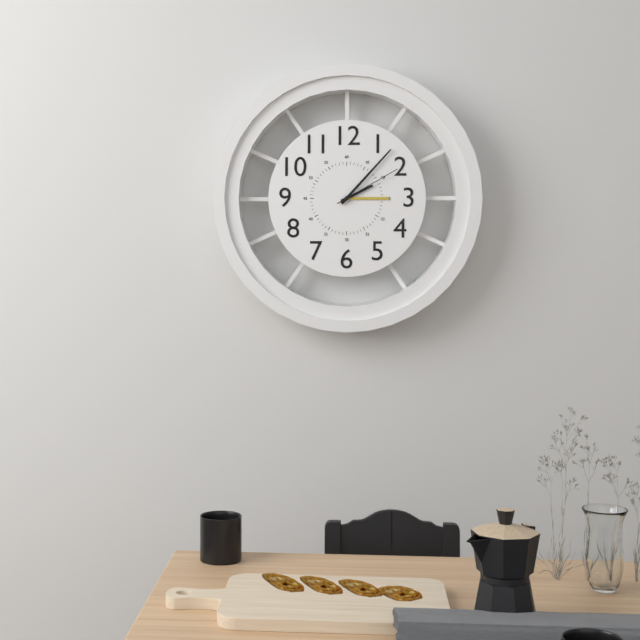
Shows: 2:07:10
